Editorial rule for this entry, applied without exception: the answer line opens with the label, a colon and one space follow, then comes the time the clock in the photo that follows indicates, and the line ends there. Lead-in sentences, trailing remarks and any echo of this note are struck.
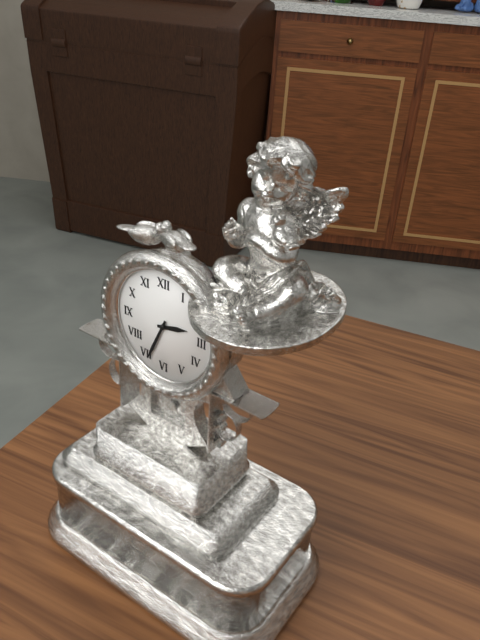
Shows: 2:34
